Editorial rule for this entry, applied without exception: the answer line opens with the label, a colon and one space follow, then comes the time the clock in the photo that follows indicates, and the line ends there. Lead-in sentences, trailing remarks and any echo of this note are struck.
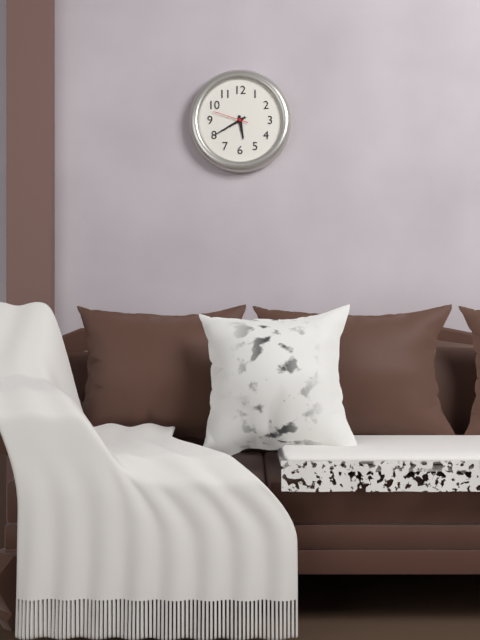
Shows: 5:40
